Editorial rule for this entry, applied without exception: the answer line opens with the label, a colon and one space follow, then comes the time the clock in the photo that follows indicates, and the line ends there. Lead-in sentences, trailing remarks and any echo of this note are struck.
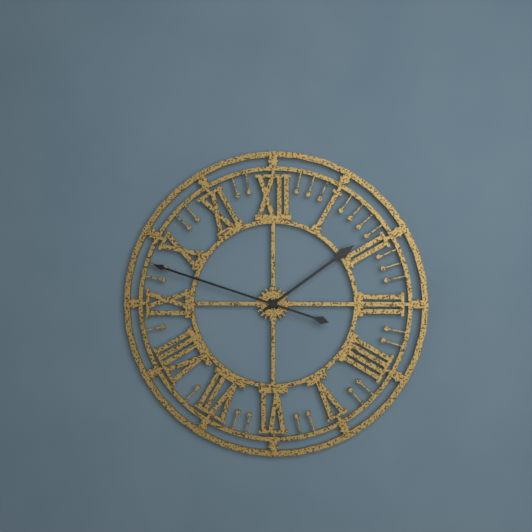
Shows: 1:48
